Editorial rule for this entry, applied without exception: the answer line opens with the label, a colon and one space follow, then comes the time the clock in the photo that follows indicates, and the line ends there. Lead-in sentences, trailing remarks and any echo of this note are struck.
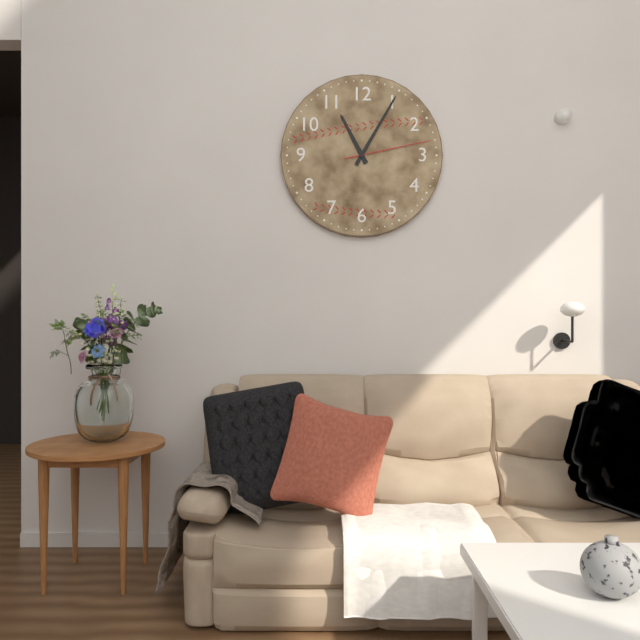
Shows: 11:05:13
